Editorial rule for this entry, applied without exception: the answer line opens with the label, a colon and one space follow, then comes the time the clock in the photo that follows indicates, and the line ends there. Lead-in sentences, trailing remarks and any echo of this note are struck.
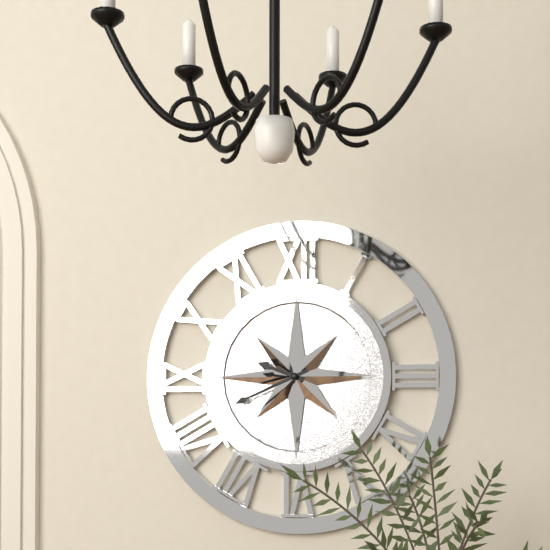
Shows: 9:41
